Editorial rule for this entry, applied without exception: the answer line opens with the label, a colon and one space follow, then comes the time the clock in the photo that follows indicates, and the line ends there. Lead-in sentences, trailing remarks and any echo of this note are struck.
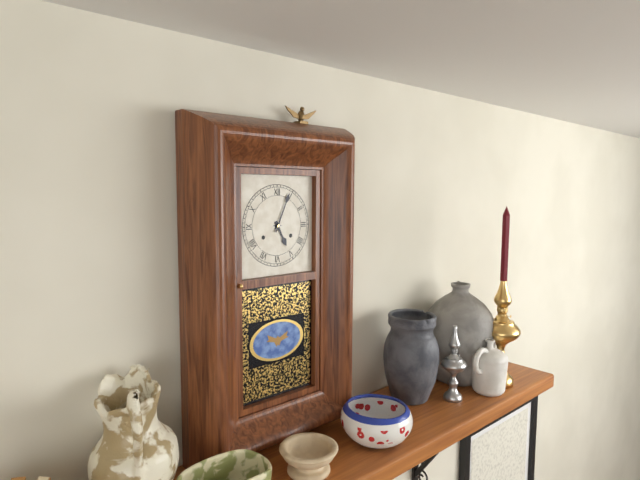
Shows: 5:04
